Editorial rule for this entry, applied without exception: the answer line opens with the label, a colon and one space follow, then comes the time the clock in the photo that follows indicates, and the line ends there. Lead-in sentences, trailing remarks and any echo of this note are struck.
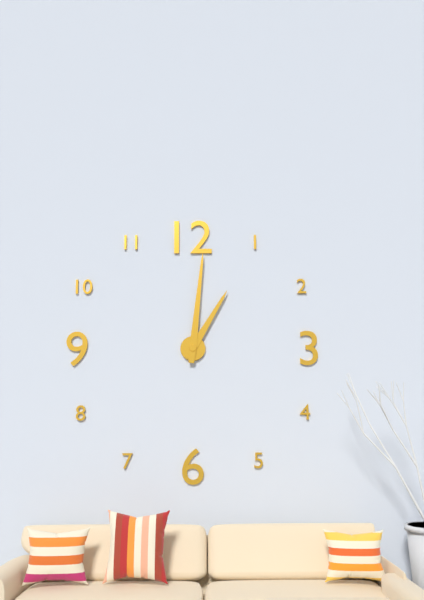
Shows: 1:01
